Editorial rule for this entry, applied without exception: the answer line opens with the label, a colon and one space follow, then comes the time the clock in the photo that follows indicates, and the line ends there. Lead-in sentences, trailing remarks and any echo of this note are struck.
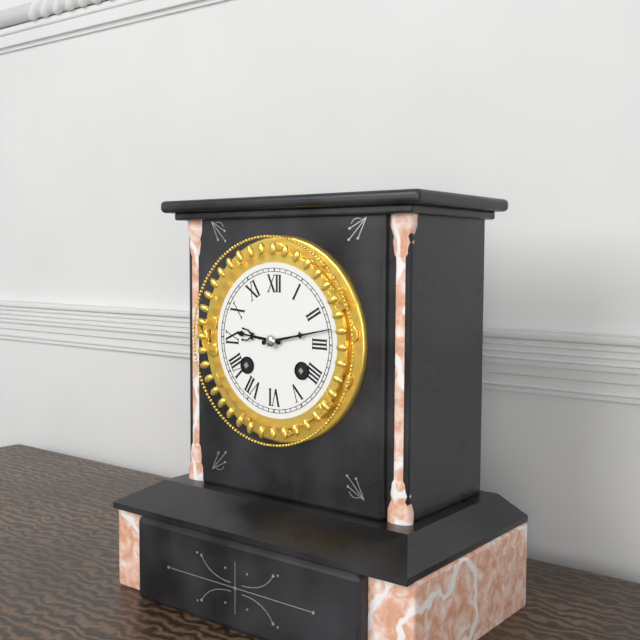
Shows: 9:13
